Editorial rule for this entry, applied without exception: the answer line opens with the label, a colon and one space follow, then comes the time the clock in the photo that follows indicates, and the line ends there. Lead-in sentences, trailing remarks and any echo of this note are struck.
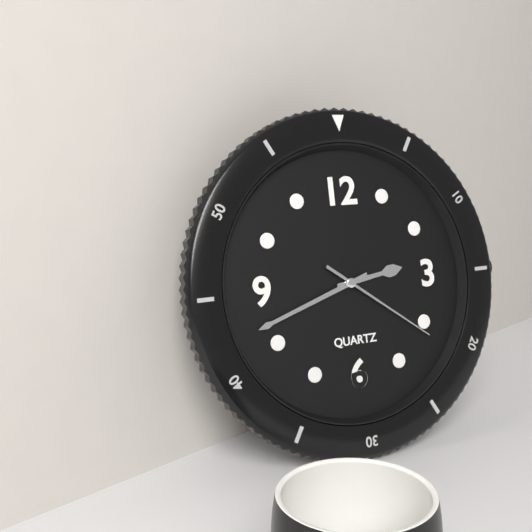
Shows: 2:42:21
